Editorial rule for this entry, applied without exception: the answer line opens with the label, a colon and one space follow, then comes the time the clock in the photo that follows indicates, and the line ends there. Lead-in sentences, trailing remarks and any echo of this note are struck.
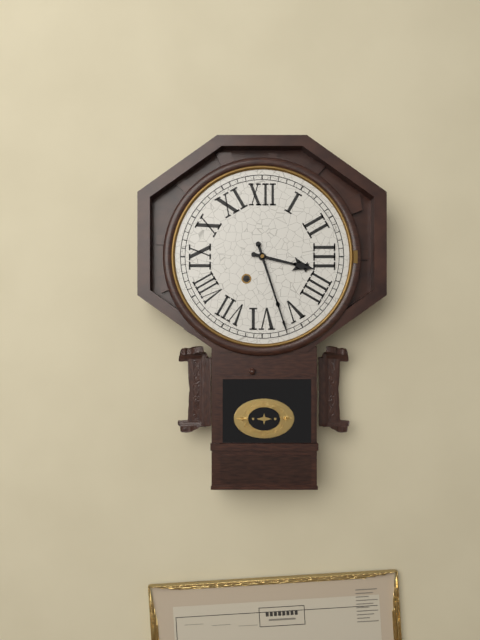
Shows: 3:27
